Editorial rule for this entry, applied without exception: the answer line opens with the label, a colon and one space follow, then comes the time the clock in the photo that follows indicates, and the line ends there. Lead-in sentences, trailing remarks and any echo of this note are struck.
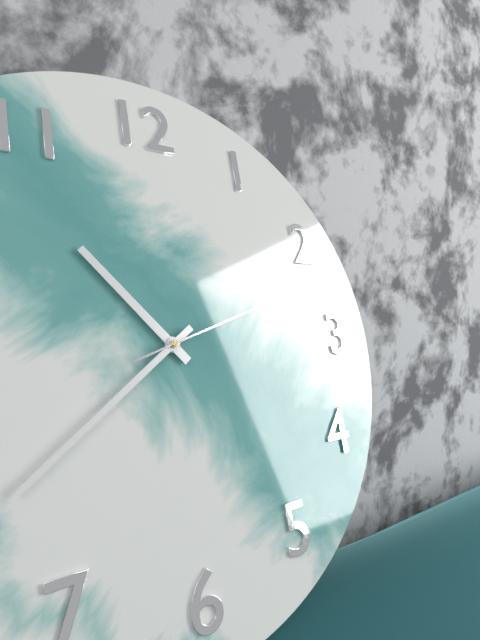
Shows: 10:39:12
